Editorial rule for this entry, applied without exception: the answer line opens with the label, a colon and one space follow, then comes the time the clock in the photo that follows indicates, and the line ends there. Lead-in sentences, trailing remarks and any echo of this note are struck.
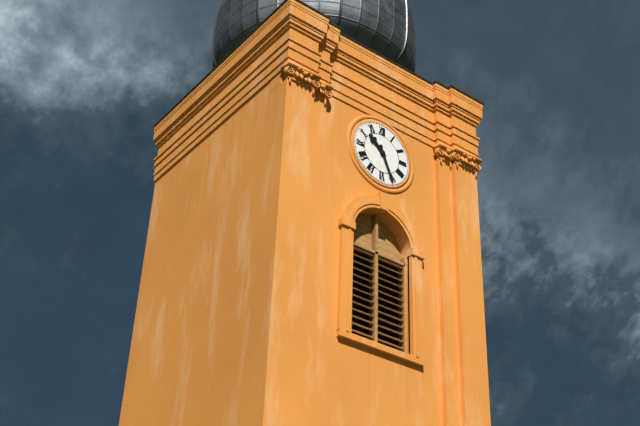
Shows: 10:26
